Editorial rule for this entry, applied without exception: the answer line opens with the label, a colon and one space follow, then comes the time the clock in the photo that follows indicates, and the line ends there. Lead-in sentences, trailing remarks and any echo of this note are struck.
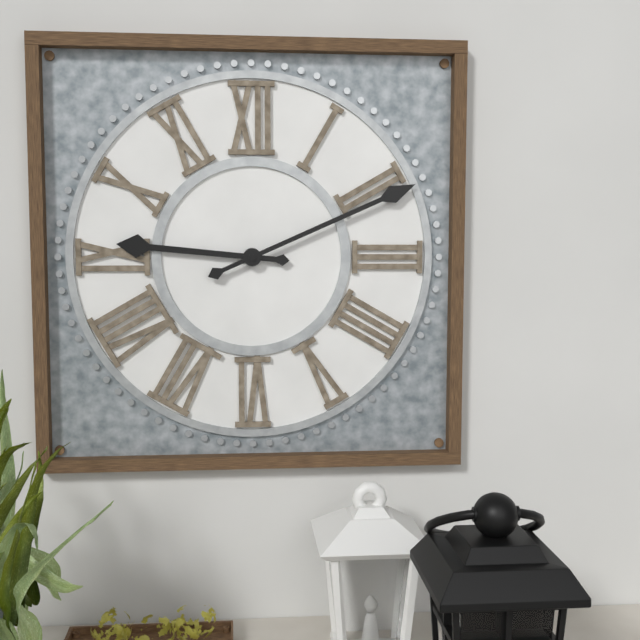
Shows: 9:11
